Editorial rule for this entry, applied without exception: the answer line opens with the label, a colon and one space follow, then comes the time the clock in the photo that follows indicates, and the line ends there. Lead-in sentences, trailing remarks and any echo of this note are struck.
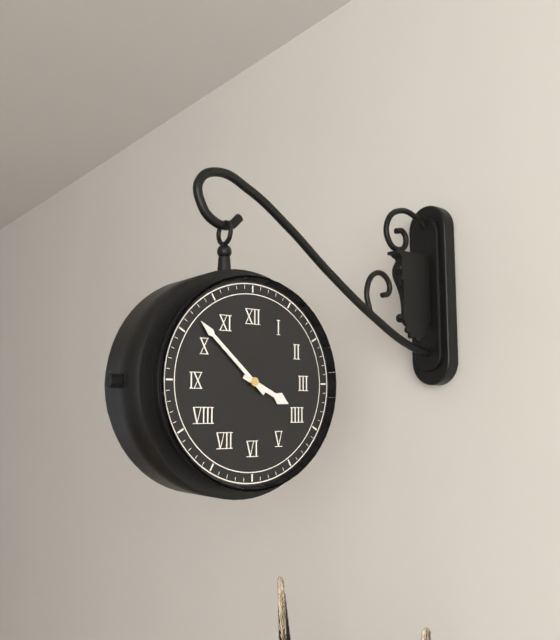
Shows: 3:52
